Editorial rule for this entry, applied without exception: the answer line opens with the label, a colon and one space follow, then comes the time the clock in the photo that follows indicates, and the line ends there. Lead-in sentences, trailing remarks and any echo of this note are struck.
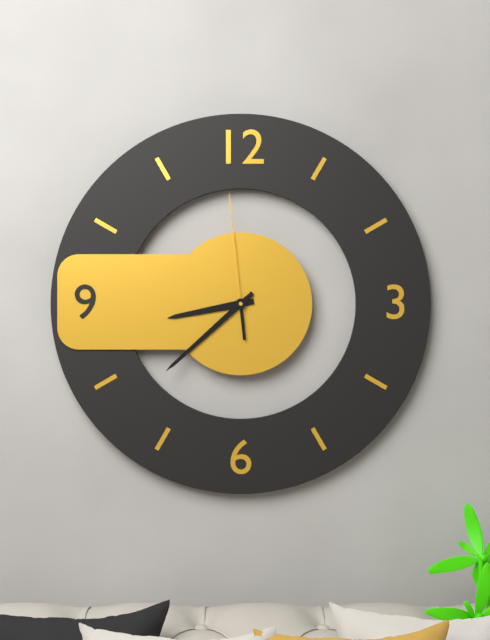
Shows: 8:38:59
